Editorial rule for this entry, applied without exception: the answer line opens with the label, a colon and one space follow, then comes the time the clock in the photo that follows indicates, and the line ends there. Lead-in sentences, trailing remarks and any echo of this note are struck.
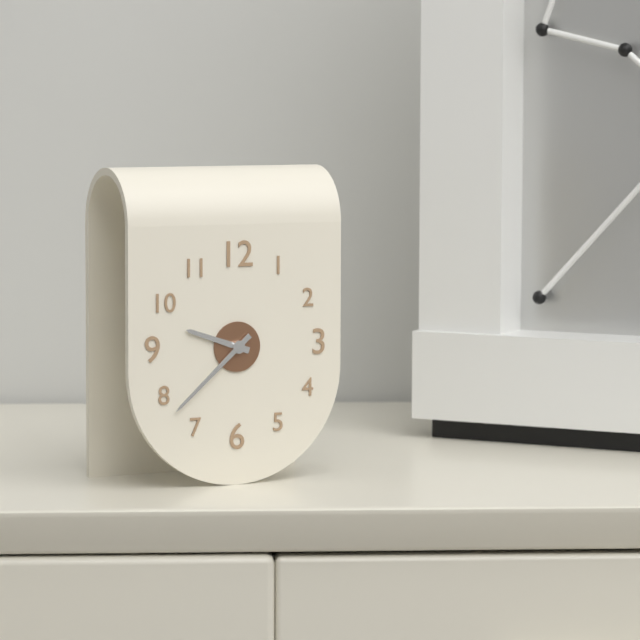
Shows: 9:38
